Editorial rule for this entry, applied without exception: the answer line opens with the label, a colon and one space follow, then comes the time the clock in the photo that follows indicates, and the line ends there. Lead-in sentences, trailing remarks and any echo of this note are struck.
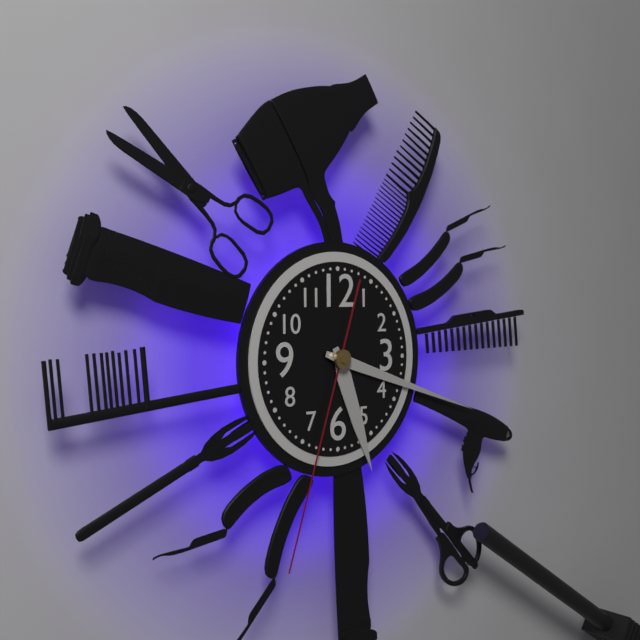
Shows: 5:18:33
